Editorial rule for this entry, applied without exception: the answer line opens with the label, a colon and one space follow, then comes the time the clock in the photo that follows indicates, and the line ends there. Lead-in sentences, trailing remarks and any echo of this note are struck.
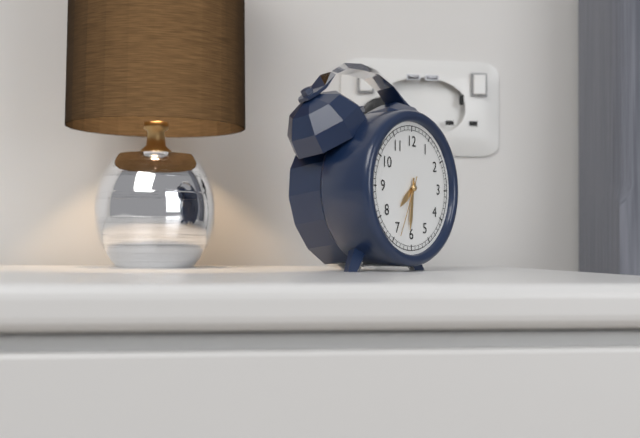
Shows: 7:31:34
